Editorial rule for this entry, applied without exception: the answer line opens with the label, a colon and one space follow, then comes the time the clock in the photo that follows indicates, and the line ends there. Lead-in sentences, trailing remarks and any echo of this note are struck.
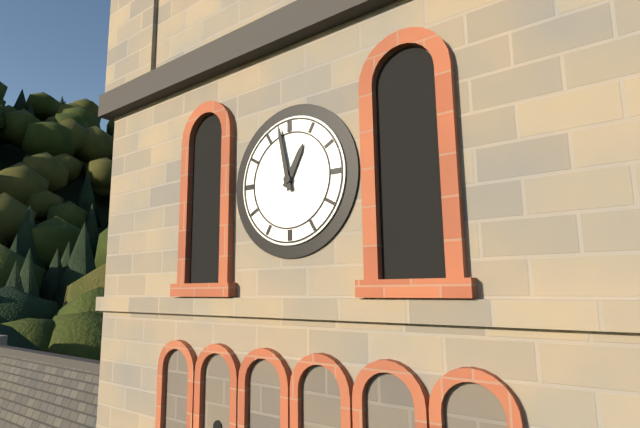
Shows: 12:58
